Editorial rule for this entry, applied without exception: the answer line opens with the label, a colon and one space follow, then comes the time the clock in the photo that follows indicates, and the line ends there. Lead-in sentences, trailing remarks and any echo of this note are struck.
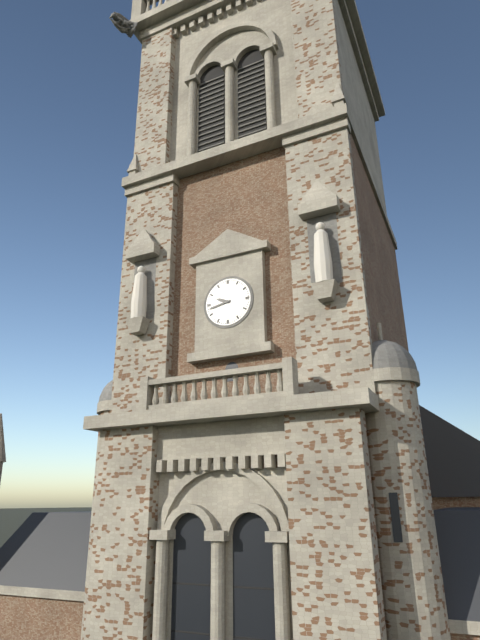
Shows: 9:43
